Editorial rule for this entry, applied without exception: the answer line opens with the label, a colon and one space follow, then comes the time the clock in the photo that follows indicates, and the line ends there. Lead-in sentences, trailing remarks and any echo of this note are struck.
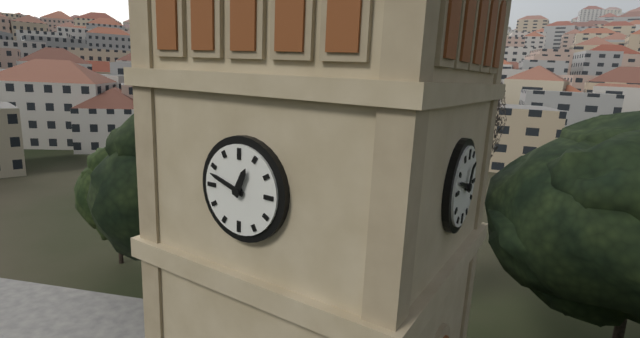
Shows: 12:48
